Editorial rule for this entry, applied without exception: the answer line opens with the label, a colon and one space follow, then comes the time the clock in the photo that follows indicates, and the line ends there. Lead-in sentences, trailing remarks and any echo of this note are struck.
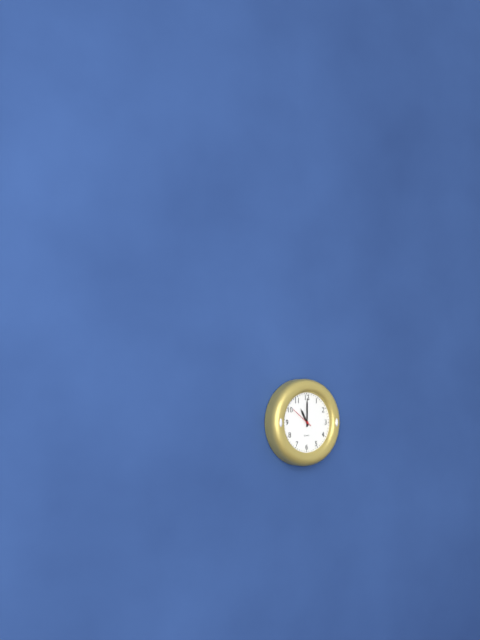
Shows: 11:00
